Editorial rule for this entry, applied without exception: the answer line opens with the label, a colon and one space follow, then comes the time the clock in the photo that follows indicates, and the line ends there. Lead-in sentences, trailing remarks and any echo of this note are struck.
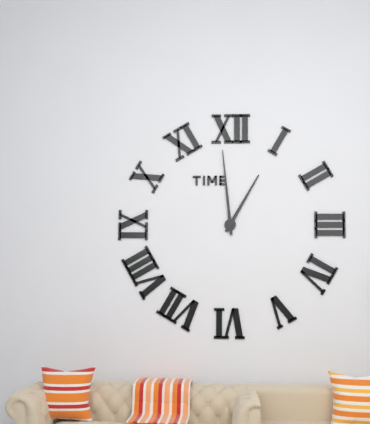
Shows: 12:59
